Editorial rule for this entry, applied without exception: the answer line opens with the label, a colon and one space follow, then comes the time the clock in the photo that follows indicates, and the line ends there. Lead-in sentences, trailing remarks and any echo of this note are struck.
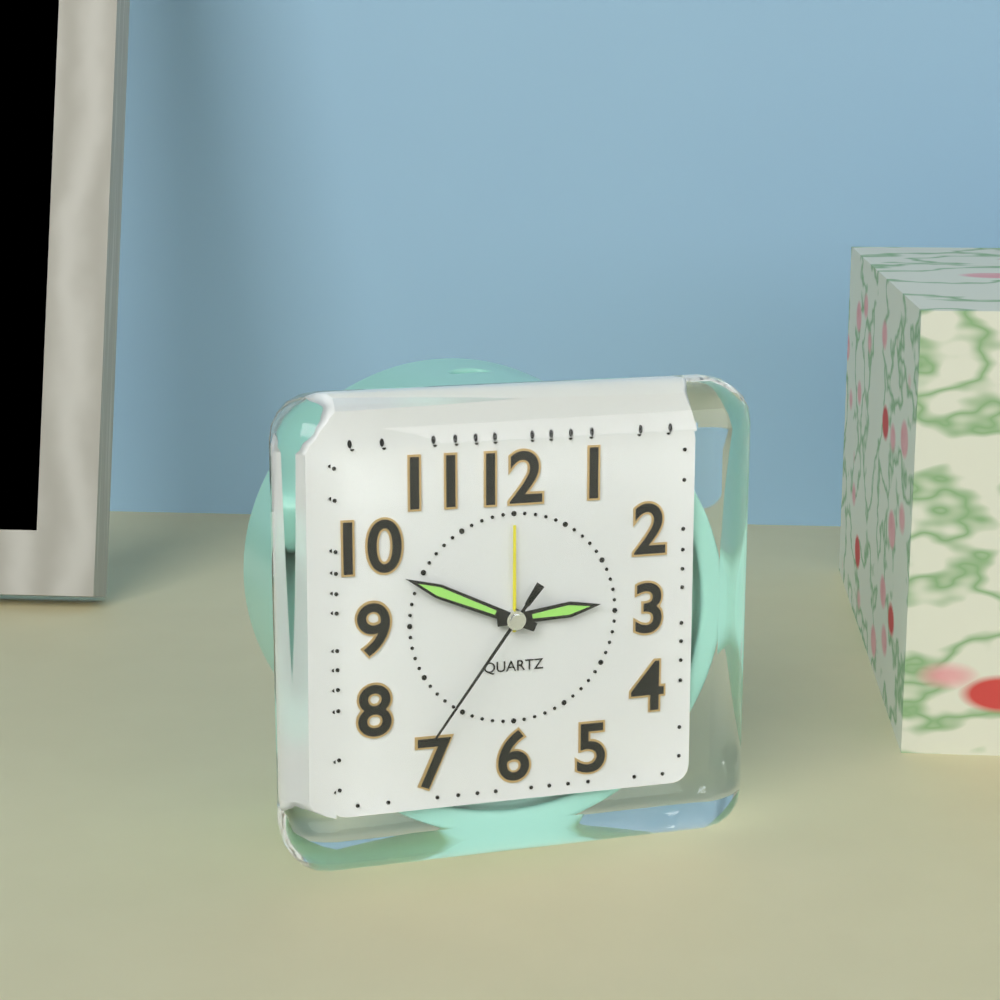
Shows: 2:49:36
